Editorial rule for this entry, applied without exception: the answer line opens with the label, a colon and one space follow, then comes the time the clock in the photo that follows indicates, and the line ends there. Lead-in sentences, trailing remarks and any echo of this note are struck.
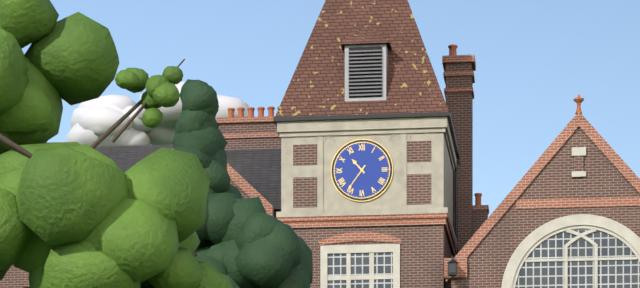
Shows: 10:36
